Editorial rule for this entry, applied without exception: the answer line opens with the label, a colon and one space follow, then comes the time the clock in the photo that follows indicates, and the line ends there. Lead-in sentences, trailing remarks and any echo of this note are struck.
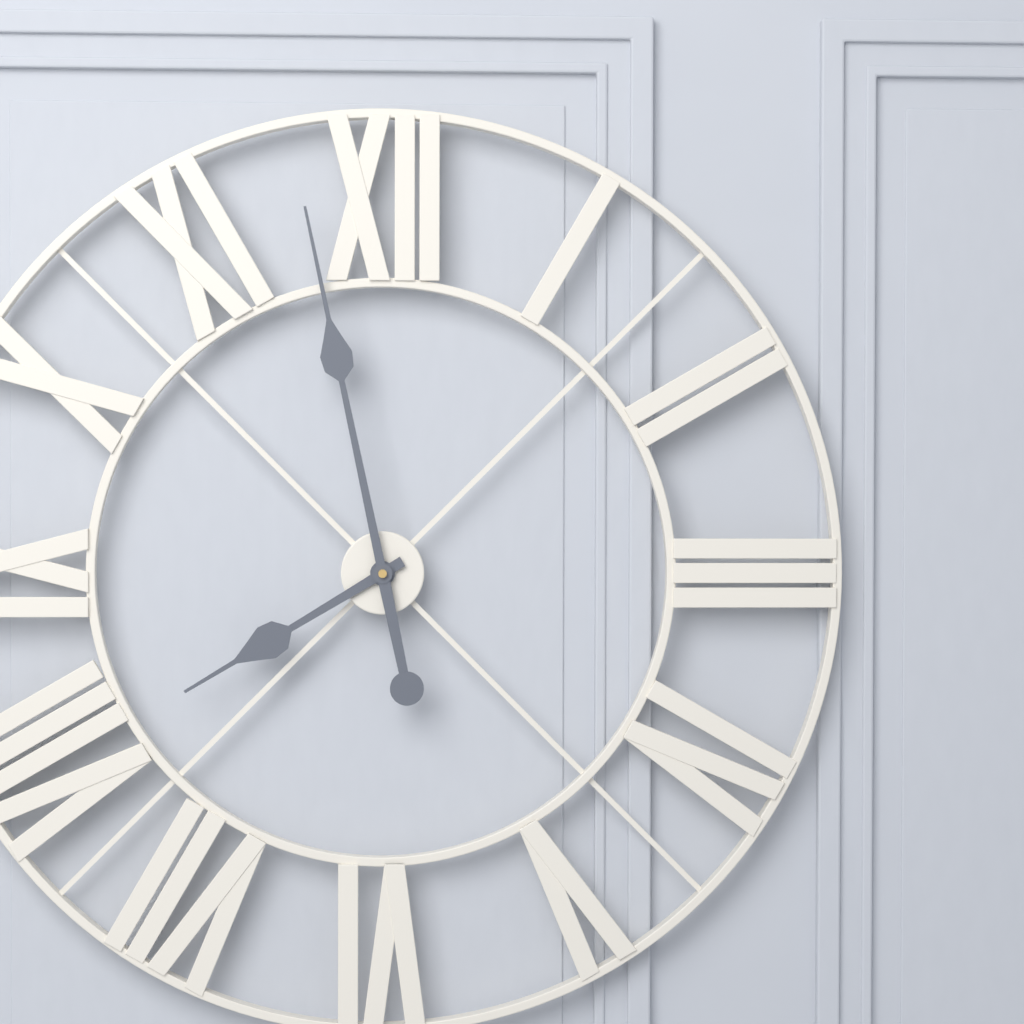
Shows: 7:58
